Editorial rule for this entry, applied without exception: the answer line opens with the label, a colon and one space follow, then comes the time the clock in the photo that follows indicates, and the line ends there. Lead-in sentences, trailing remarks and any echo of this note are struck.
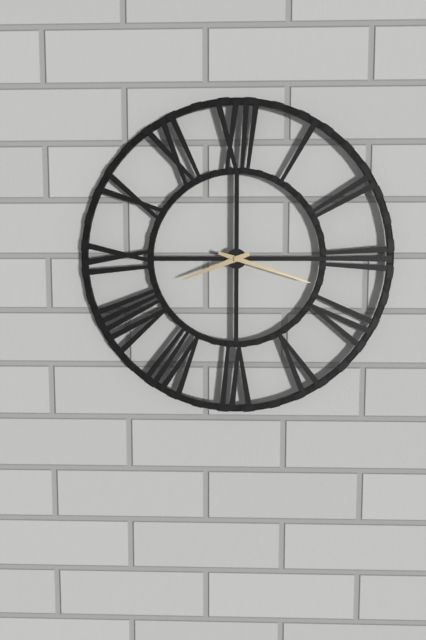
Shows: 8:18
